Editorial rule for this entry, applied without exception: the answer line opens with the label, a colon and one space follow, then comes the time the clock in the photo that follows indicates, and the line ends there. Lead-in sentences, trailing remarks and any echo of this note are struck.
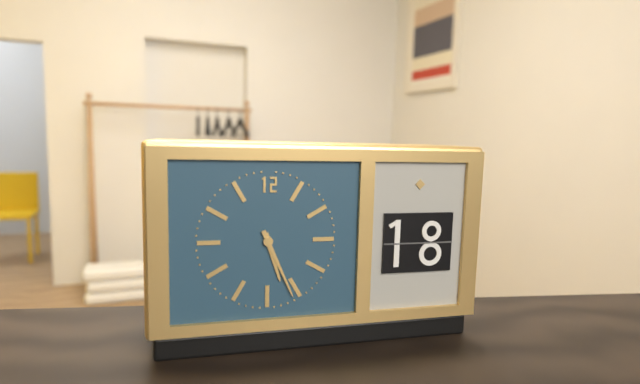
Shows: 5:26
